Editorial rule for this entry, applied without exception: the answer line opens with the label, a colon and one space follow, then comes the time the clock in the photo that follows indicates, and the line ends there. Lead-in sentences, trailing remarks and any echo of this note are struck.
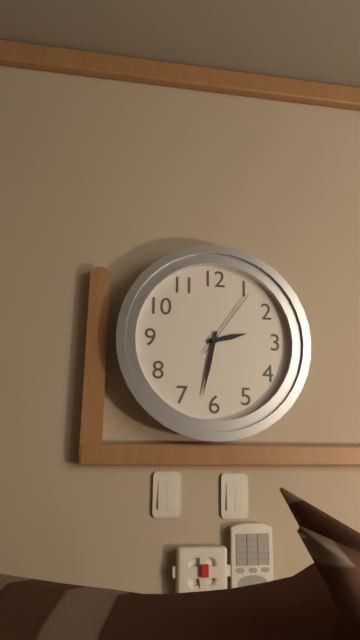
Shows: 2:32:06
